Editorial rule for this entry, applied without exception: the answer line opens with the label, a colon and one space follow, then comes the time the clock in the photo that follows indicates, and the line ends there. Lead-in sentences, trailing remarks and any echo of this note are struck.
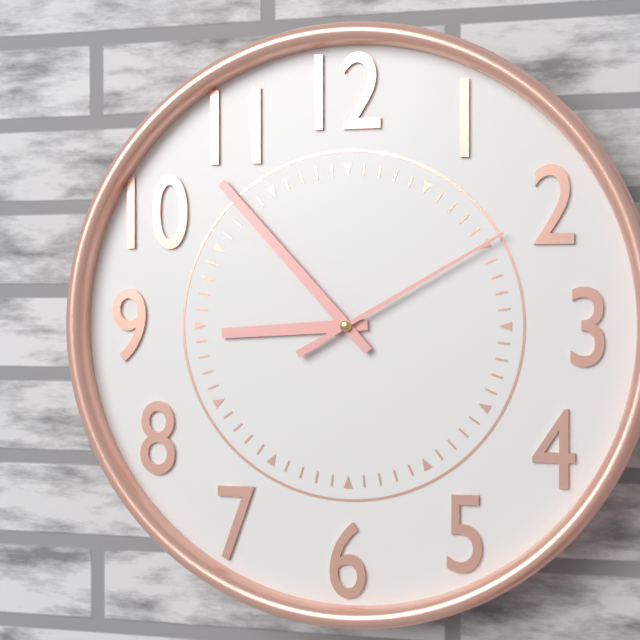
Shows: 8:53:10
